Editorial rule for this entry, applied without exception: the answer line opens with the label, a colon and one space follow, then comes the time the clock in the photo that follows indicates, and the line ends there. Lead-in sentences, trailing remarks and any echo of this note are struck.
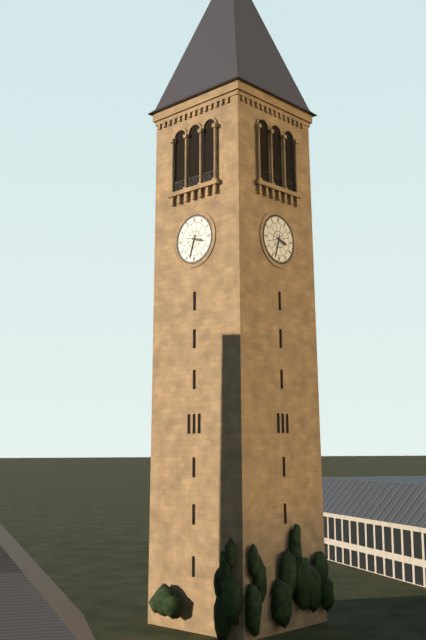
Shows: 3:33
